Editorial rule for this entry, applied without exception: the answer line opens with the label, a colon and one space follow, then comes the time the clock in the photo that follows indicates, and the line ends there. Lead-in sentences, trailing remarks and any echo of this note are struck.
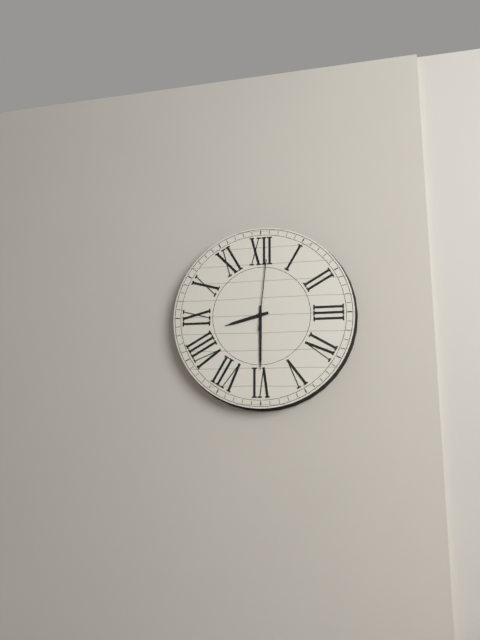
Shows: 8:30:01
